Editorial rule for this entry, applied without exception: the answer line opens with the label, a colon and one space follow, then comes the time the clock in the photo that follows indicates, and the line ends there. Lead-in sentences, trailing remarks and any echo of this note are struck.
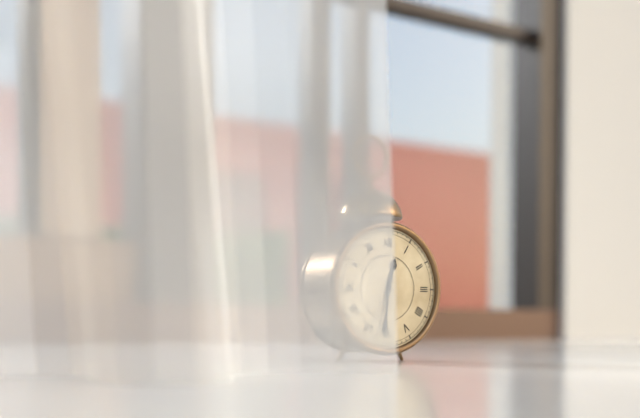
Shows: 12:31:33
